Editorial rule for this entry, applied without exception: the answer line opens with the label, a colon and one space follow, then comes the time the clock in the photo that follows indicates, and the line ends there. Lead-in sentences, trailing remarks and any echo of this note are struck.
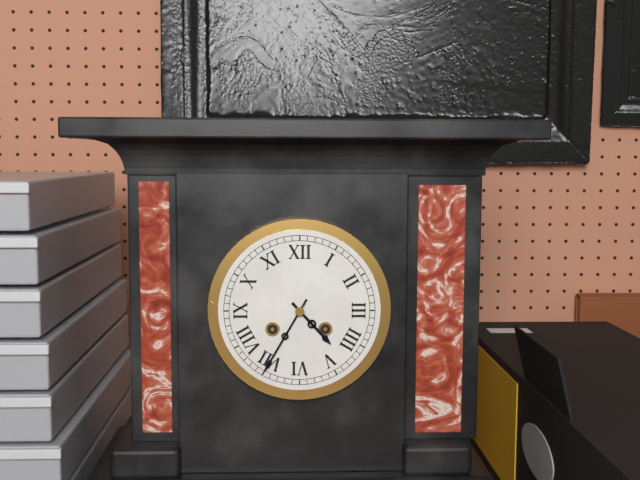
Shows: 4:35
